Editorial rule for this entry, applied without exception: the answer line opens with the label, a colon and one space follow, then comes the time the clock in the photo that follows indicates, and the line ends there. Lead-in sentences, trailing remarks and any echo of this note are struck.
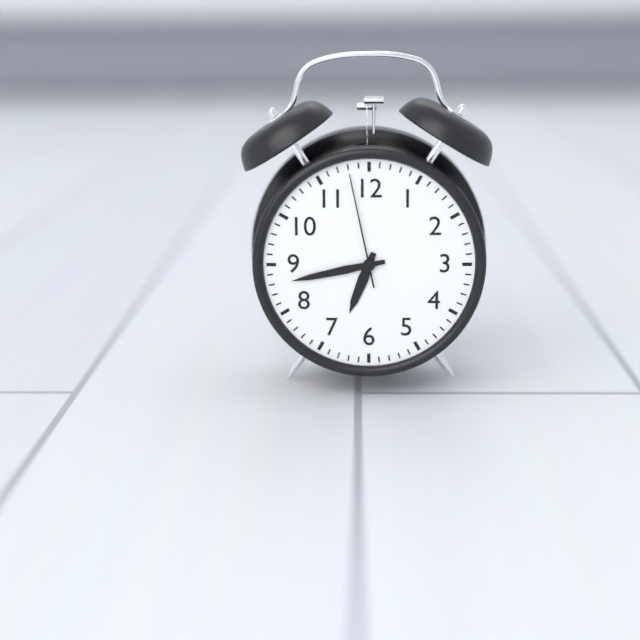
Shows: 6:43:58
